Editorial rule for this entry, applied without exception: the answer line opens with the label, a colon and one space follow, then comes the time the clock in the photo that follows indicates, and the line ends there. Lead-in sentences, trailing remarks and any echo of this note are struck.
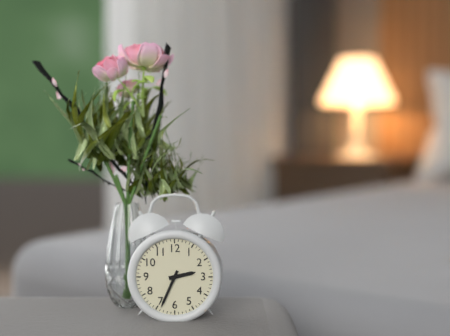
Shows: 2:34
